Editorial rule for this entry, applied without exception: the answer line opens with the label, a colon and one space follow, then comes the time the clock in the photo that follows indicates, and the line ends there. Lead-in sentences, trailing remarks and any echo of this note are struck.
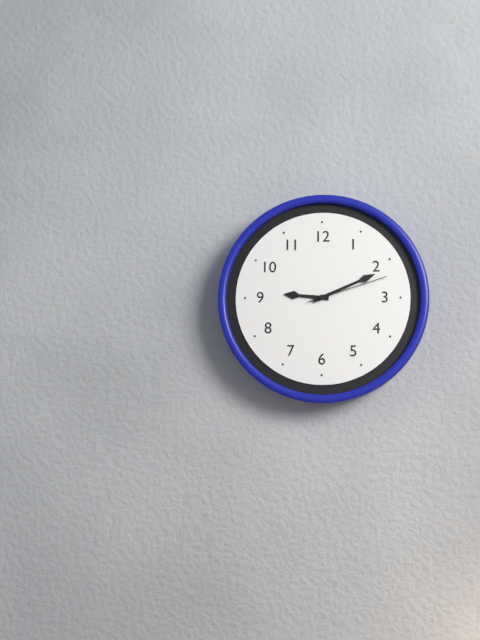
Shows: 9:11:12
